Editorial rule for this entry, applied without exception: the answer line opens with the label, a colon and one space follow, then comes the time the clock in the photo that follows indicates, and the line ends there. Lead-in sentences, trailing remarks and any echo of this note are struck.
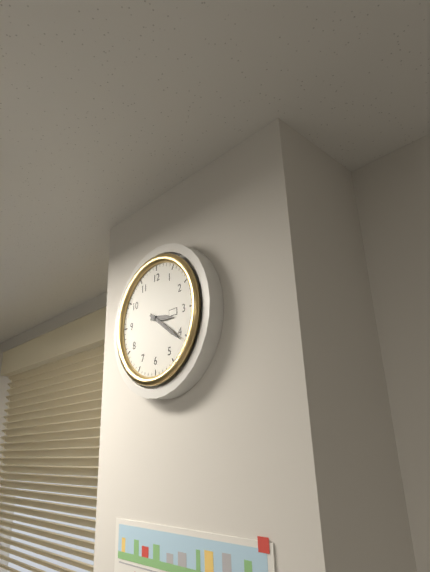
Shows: 3:21
